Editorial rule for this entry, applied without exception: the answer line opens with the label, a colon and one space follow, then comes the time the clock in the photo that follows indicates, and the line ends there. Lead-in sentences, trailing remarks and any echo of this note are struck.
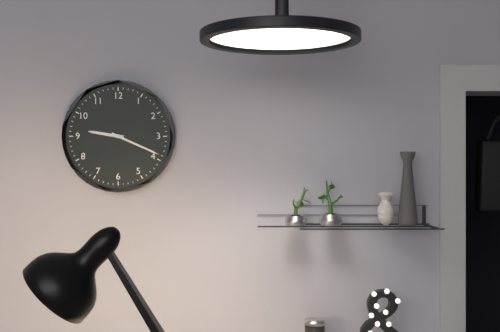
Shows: 9:19
